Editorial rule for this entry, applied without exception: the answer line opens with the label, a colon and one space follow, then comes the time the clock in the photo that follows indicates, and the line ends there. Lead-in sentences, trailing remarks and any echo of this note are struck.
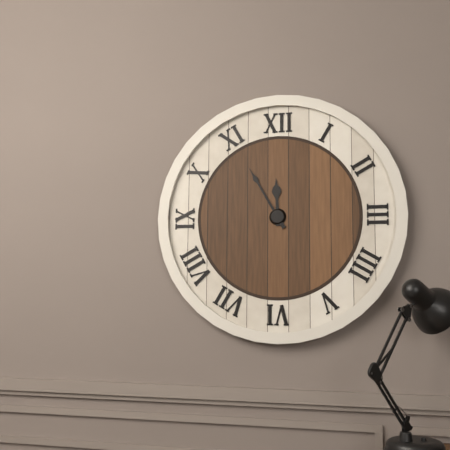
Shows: 11:55
